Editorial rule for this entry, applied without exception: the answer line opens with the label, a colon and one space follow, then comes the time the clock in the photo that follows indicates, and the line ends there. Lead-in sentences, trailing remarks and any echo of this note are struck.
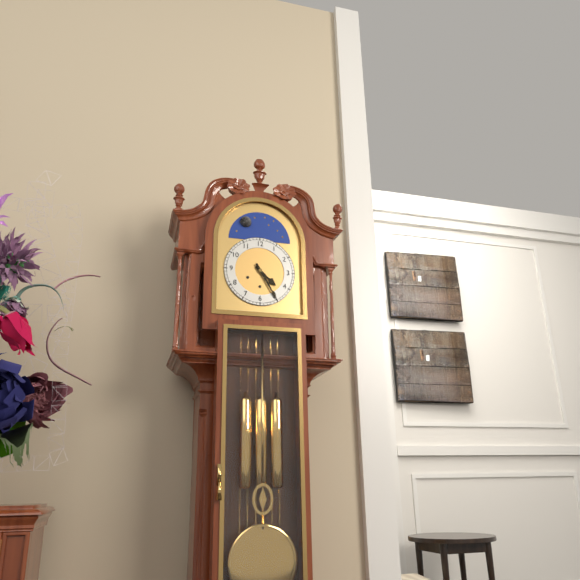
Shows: 4:25
